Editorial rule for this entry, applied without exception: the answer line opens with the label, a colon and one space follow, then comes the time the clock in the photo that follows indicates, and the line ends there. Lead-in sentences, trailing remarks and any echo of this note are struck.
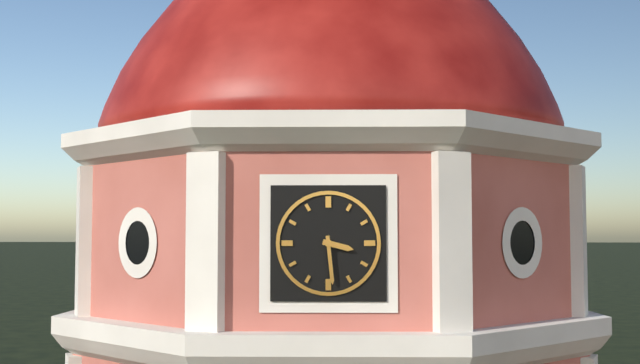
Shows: 3:29
